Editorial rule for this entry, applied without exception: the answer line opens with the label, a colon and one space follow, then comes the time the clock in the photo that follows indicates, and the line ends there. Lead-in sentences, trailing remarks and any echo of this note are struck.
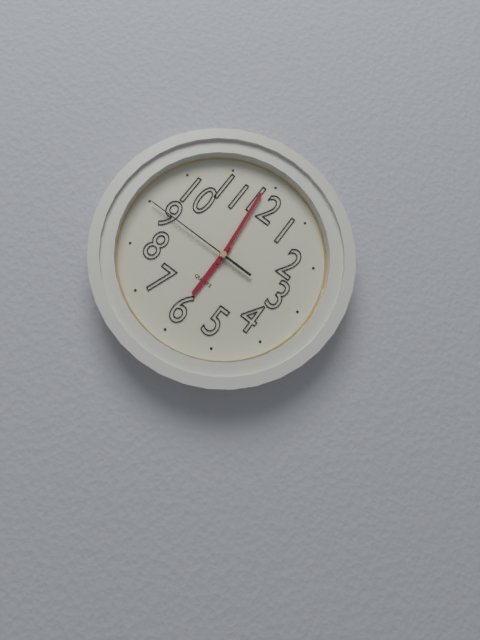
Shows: 5:59:45
